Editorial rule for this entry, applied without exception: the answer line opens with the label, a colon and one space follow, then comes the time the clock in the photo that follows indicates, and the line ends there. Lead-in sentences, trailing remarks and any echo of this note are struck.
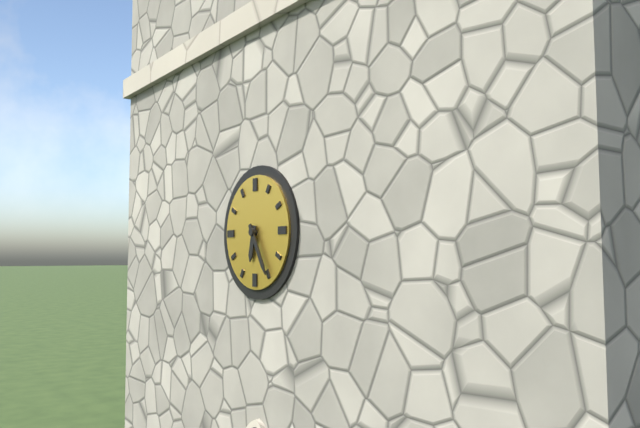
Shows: 6:25
